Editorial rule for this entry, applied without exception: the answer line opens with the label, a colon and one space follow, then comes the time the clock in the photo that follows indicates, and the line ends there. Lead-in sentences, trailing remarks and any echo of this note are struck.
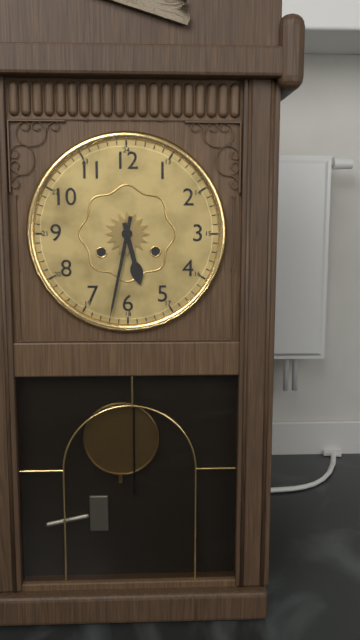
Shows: 5:32
